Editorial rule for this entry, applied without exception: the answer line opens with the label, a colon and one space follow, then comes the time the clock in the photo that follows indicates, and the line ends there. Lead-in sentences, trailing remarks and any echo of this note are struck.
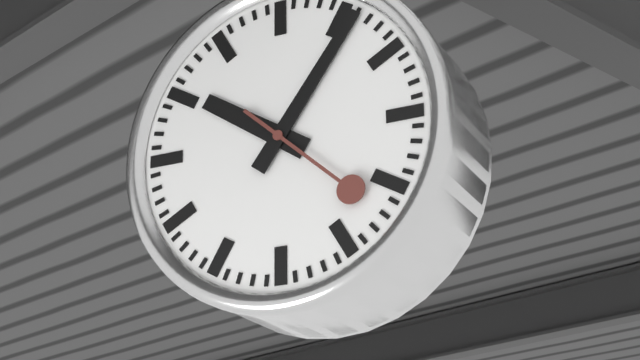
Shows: 10:06:22
